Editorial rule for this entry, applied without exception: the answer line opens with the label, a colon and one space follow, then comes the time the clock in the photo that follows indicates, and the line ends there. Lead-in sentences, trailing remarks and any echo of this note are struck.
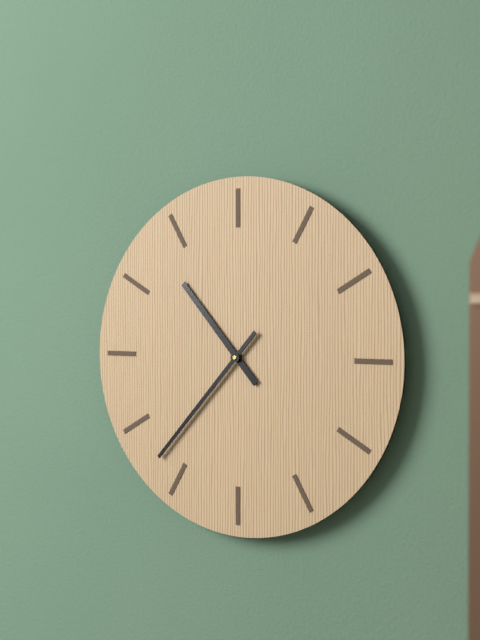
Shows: 10:37
